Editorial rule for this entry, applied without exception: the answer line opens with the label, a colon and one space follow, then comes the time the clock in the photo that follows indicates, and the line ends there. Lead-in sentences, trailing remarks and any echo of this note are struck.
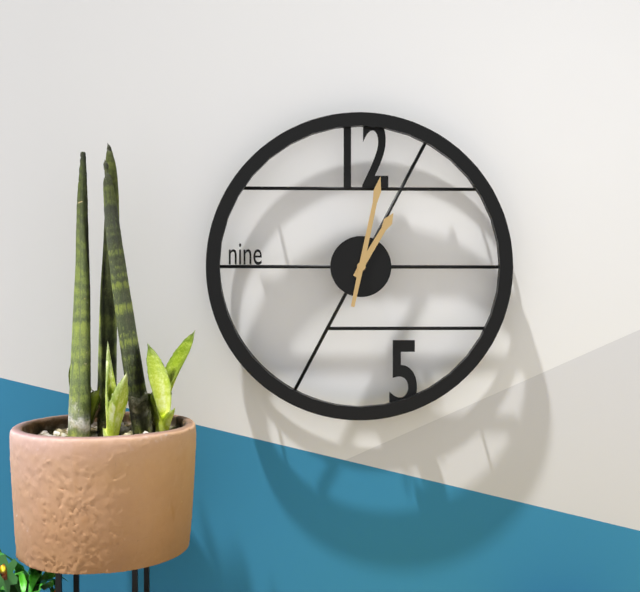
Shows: 1:02
